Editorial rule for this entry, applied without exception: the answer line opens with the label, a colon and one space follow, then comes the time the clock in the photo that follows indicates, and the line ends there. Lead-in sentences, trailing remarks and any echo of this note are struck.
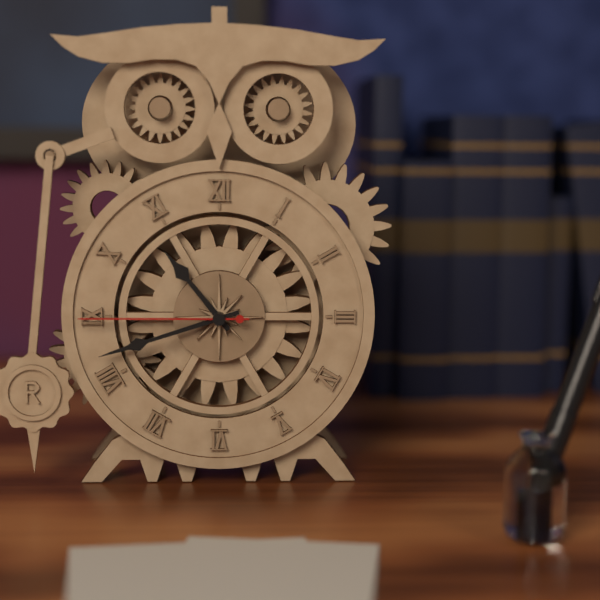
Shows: 10:42:45
